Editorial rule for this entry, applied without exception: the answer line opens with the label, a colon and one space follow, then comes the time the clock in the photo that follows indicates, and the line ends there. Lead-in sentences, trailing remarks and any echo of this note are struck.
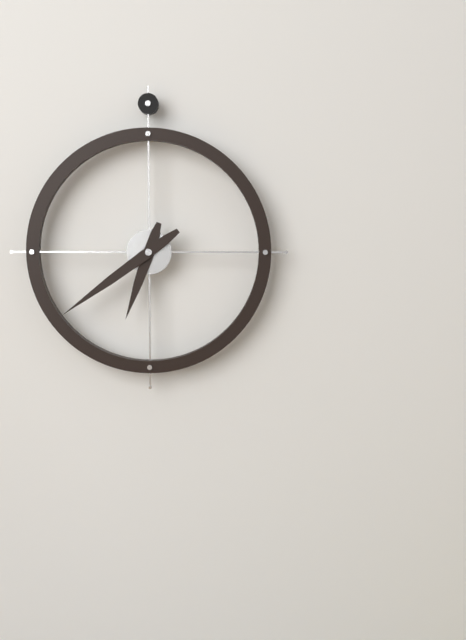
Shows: 6:39
